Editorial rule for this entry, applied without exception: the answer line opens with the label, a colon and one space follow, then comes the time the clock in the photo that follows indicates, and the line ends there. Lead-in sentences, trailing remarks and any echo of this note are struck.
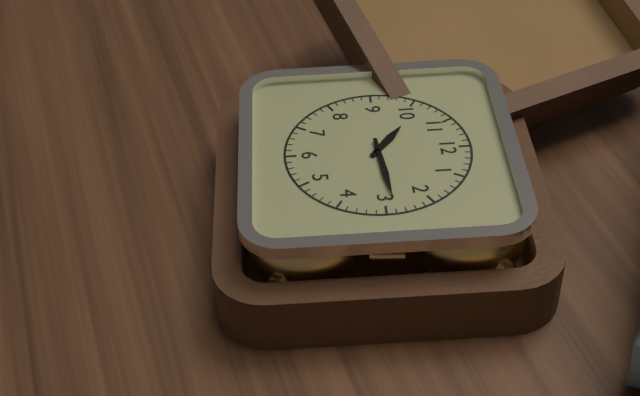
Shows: 10:14
